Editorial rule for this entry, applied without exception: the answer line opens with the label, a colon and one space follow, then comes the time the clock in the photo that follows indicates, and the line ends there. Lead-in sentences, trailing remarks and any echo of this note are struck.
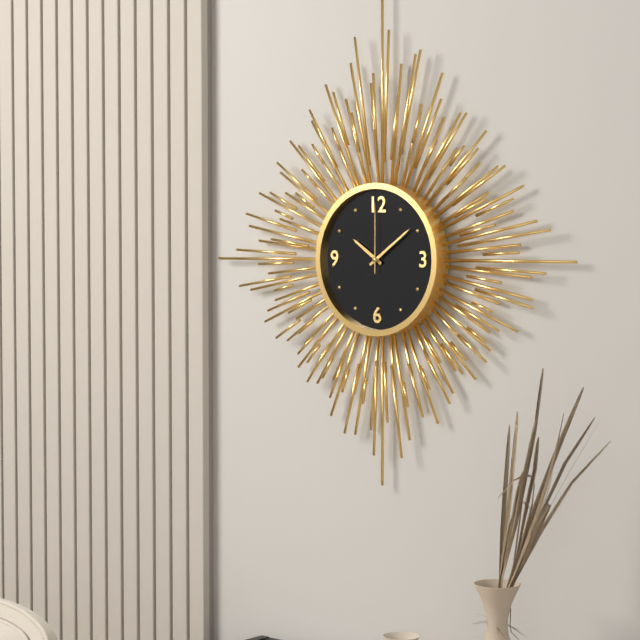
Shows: 10:09:00
